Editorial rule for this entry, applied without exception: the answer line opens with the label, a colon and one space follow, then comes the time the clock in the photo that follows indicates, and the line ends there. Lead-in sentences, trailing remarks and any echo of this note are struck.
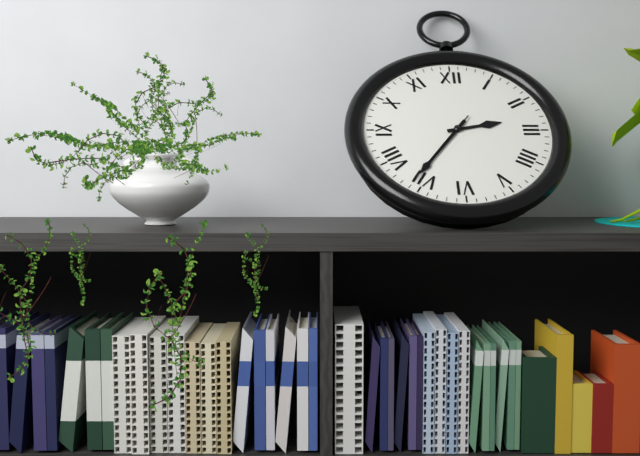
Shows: 2:36:36
